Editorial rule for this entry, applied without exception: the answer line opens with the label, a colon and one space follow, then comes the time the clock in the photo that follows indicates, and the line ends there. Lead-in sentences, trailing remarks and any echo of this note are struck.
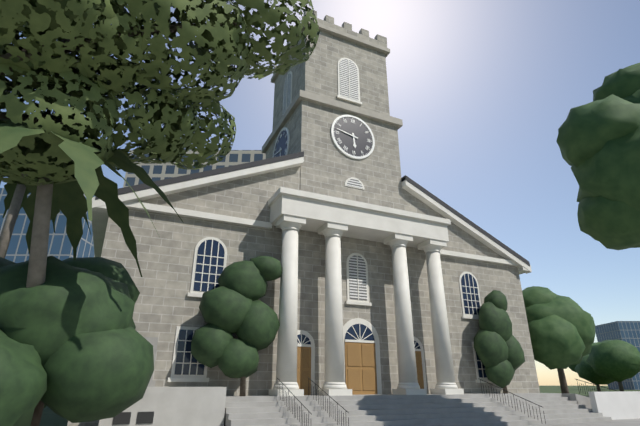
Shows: 5:47
